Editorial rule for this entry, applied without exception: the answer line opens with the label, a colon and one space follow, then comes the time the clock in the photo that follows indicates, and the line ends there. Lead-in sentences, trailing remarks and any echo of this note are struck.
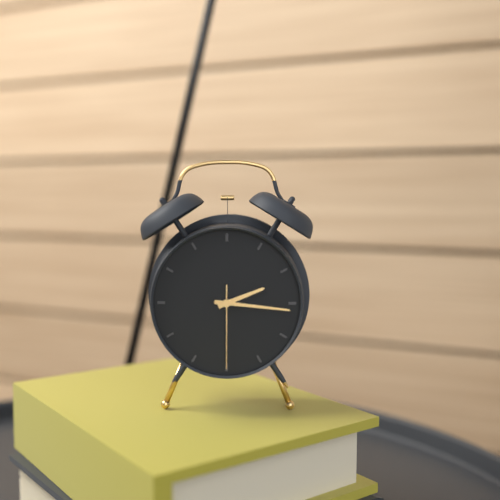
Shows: 2:16:30
